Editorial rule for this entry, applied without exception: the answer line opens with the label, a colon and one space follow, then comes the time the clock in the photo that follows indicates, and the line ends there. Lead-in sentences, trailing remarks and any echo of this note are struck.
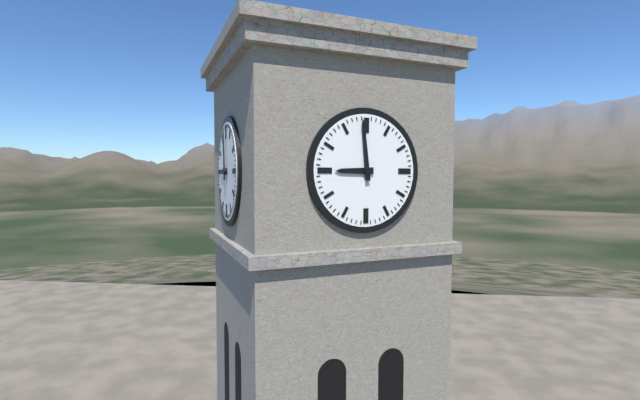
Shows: 8:59
